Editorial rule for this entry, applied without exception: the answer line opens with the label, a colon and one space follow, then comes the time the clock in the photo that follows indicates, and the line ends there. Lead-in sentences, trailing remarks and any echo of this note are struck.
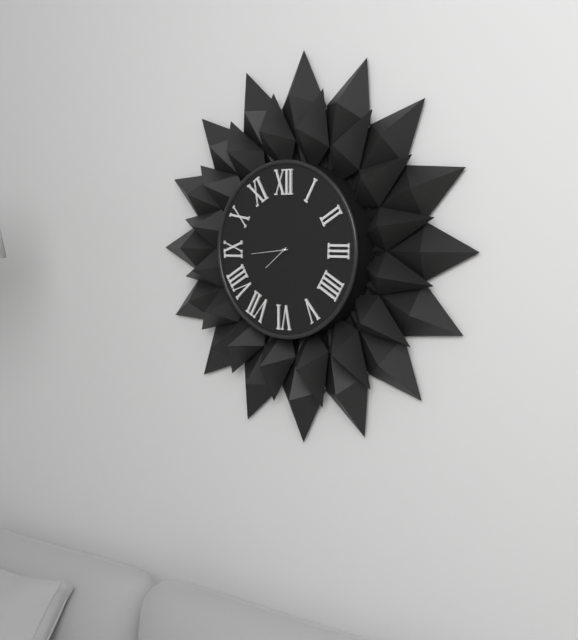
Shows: 7:44
